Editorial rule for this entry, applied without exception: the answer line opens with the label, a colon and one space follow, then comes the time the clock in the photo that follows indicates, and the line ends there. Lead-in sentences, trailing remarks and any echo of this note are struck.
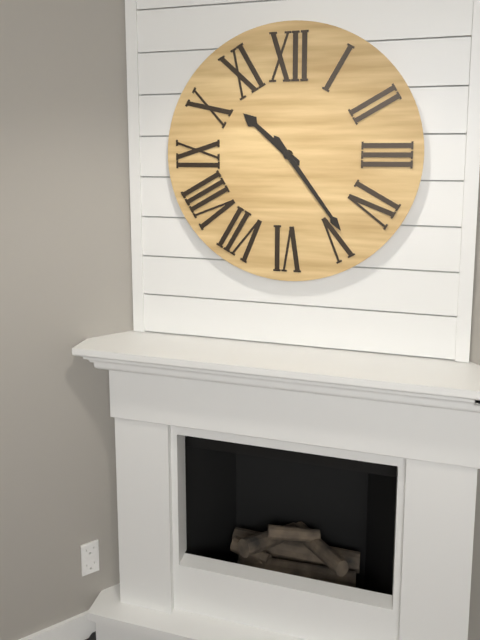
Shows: 10:24
